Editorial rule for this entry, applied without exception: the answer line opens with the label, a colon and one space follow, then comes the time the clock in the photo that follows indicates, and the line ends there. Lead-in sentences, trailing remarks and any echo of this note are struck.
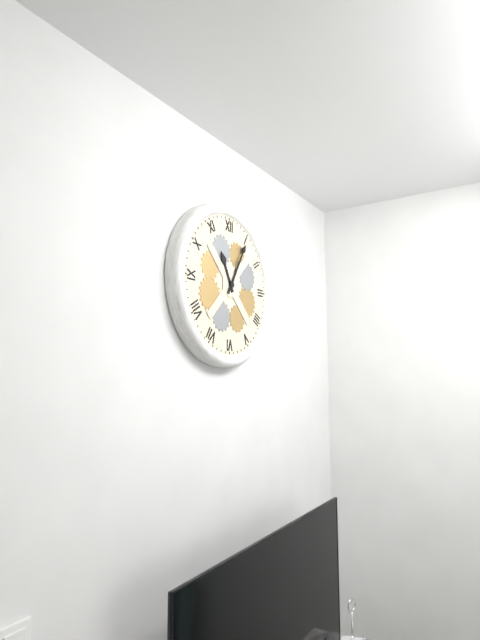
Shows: 11:05
